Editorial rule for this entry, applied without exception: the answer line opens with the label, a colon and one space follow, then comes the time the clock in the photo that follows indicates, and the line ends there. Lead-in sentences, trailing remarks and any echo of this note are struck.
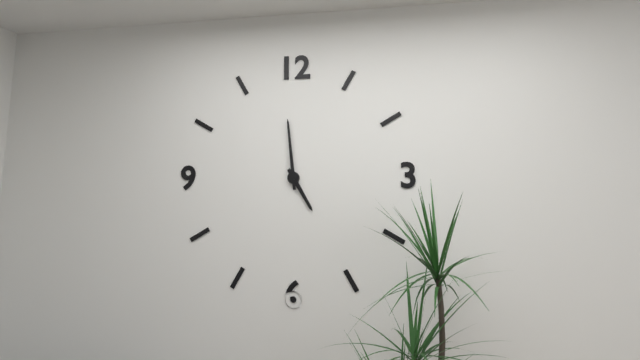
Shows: 4:59
